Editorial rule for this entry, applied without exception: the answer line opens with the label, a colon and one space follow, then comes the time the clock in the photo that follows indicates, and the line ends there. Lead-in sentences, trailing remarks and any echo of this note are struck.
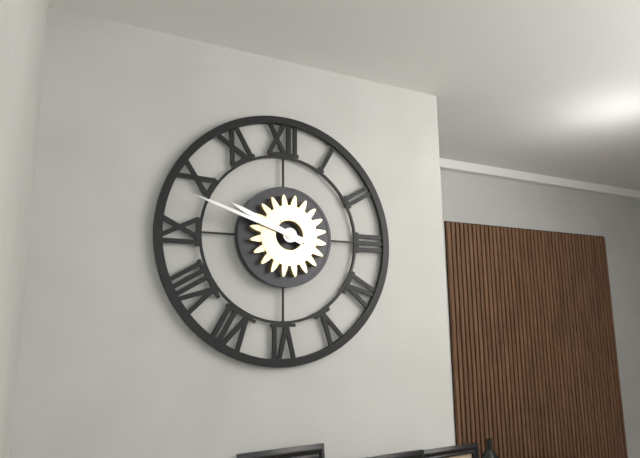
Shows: 9:48
